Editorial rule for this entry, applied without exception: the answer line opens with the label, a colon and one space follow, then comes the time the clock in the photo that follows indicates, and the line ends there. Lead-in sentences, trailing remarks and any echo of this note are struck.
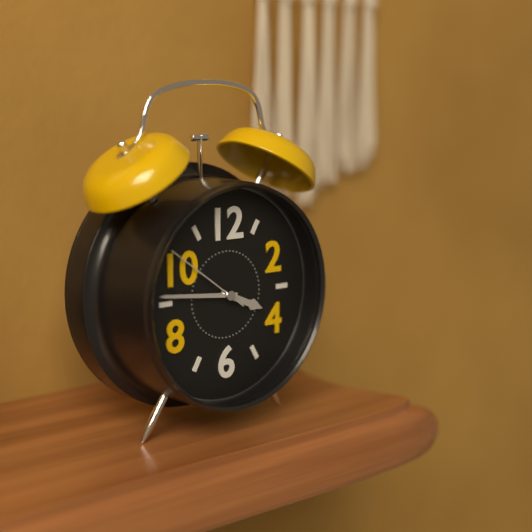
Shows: 3:46:51
